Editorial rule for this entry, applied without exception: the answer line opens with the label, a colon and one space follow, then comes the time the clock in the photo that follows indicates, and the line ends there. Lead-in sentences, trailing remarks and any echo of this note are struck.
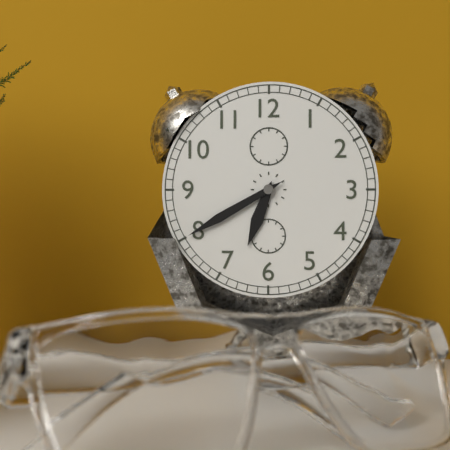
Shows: 6:40
